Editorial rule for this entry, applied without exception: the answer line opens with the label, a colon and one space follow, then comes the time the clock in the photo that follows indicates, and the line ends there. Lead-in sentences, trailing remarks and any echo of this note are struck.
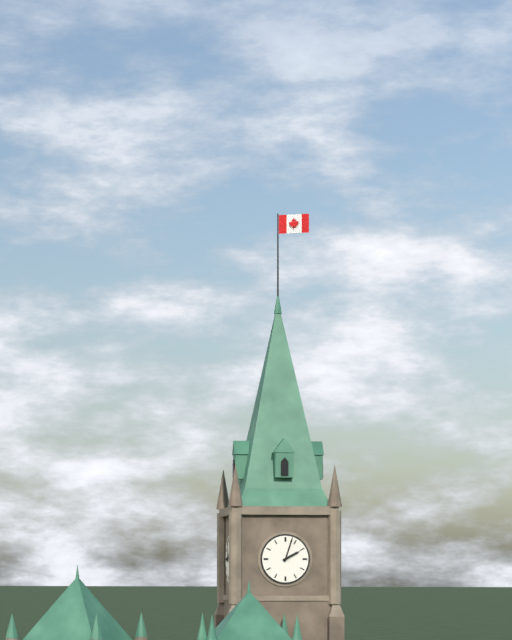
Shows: 2:03
